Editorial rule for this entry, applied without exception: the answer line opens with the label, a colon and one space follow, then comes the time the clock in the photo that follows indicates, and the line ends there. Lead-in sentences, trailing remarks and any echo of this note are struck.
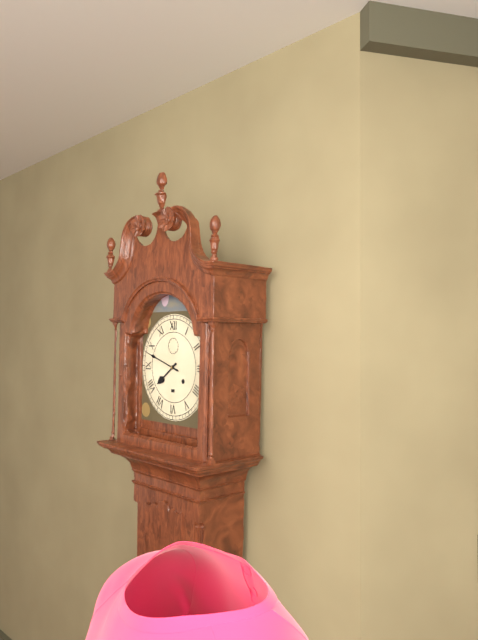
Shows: 7:48
